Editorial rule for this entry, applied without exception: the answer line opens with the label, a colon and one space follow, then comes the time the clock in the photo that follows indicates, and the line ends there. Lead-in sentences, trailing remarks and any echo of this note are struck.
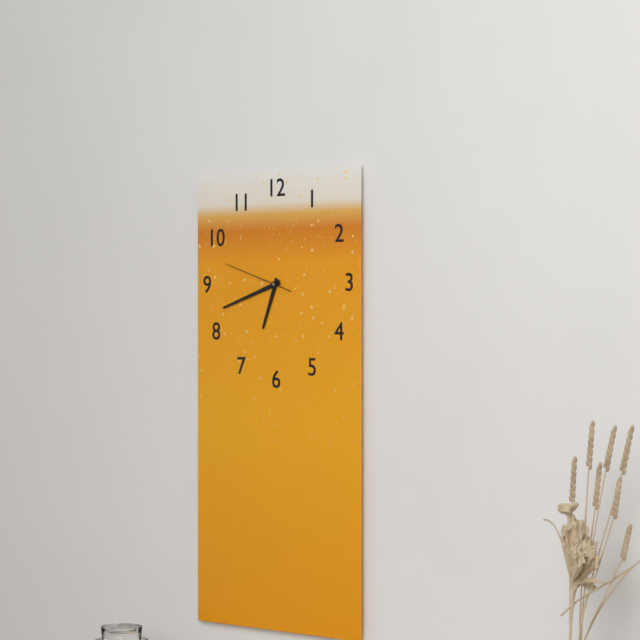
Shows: 6:42:48
